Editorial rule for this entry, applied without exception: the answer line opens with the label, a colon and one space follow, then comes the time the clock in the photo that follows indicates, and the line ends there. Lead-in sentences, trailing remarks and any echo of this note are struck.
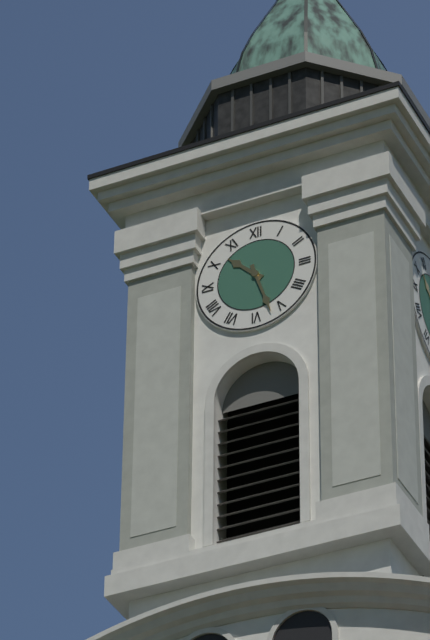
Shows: 10:27
